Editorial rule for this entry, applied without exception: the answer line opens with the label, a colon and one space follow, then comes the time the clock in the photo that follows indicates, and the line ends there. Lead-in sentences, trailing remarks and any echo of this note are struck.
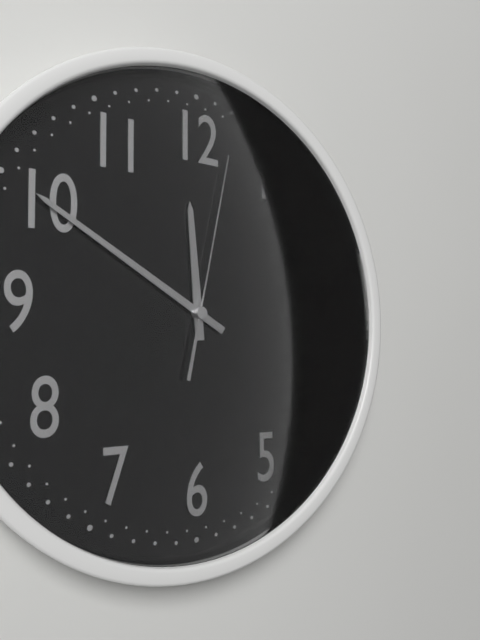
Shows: 11:50:02
